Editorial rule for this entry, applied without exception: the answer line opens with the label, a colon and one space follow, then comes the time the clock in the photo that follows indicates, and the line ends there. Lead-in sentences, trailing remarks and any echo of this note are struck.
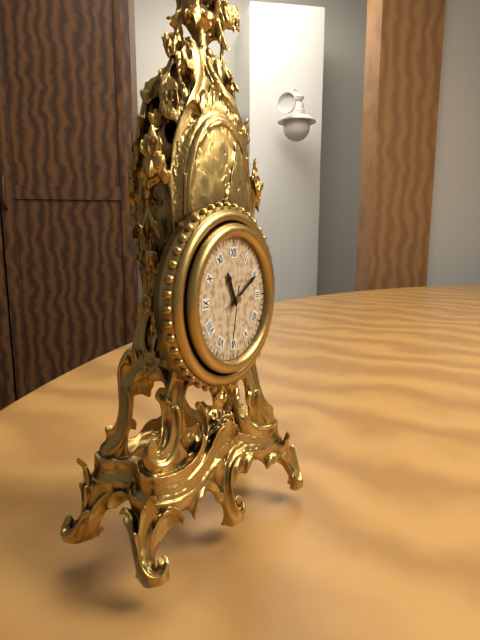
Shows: 11:10:32
